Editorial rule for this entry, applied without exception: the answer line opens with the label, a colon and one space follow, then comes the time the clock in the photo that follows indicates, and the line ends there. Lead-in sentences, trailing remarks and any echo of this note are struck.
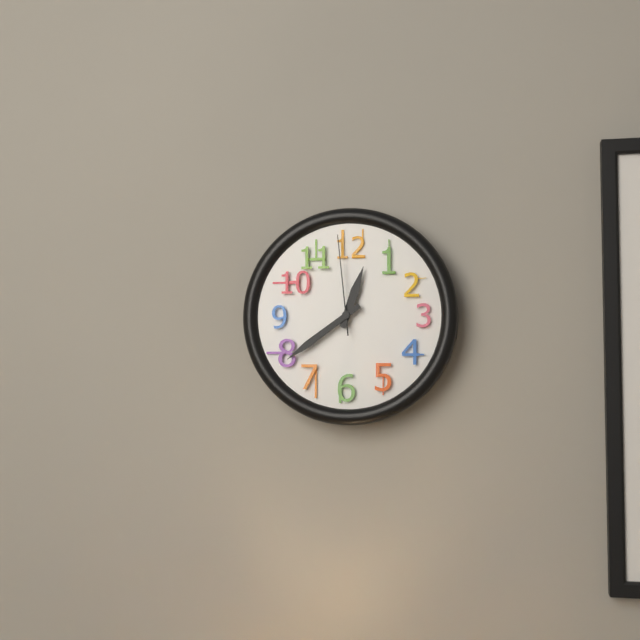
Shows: 12:39:59
